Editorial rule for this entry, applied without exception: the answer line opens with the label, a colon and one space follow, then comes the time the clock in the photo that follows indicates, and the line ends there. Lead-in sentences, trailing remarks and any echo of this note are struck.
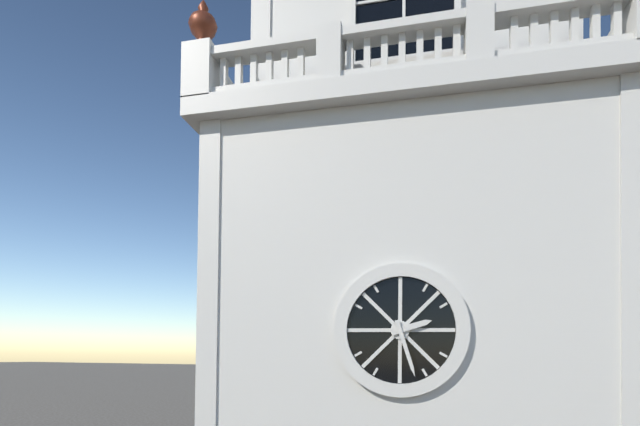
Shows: 2:27
